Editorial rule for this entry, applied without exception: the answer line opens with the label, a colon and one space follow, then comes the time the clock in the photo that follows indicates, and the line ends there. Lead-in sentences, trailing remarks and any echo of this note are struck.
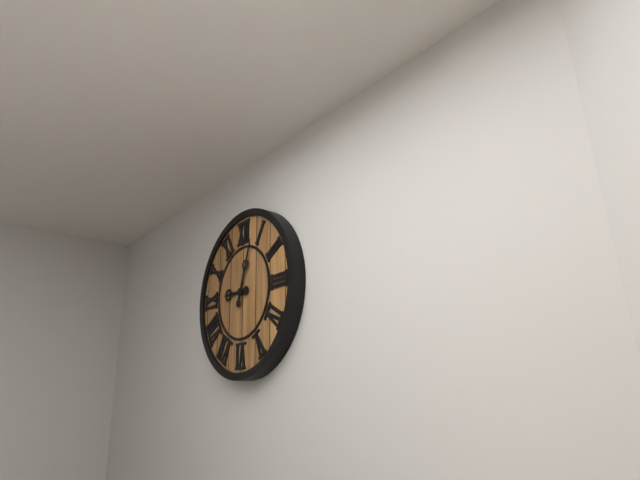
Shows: 9:03
